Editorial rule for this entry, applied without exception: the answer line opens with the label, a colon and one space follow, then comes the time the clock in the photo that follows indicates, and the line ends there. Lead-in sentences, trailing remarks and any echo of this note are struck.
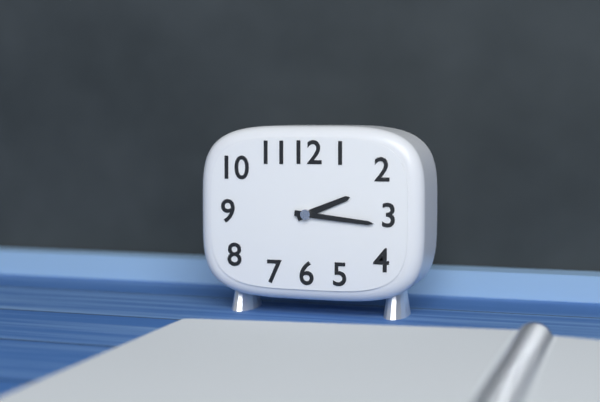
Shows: 2:16
